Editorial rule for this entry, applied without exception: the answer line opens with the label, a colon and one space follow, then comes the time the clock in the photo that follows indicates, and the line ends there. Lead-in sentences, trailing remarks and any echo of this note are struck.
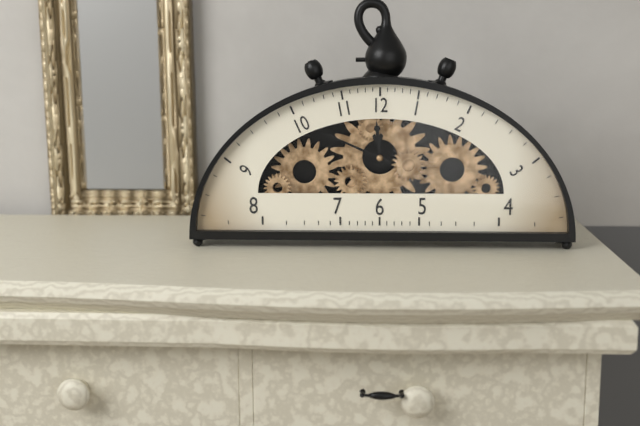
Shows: 11:49
